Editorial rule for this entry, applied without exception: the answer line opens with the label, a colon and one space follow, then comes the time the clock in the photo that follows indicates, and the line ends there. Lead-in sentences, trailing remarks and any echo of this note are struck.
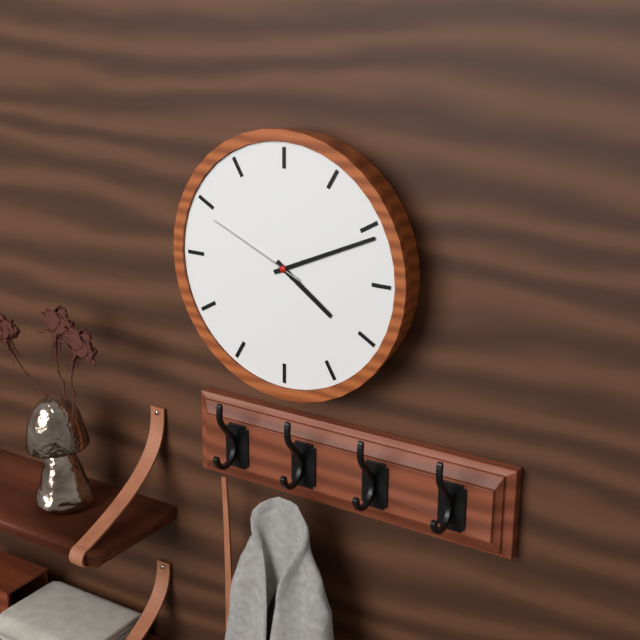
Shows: 4:11:49
